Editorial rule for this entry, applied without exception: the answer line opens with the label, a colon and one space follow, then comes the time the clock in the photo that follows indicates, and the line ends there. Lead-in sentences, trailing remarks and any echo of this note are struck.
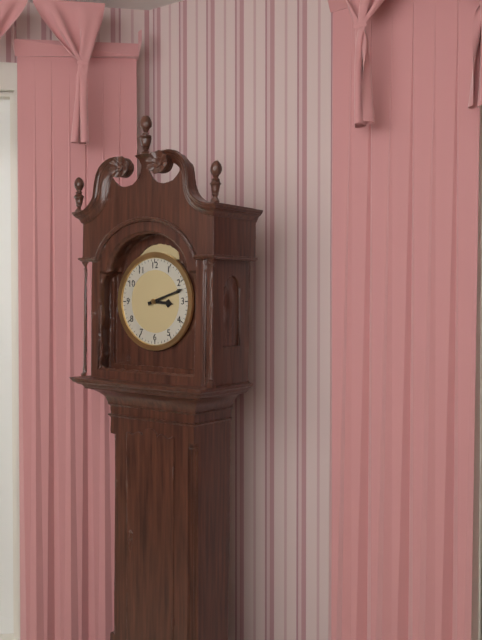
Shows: 3:12
